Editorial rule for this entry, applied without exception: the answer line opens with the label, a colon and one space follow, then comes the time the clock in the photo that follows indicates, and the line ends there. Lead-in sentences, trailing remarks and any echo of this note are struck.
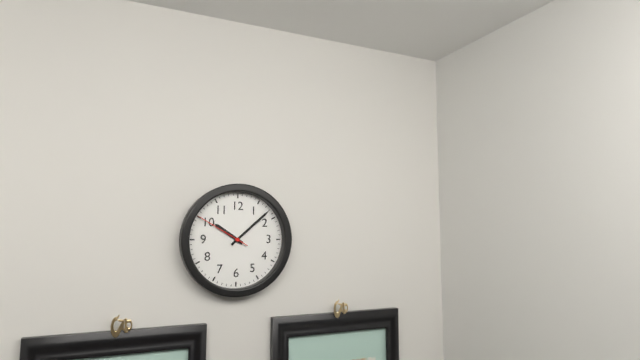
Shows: 10:08:50
